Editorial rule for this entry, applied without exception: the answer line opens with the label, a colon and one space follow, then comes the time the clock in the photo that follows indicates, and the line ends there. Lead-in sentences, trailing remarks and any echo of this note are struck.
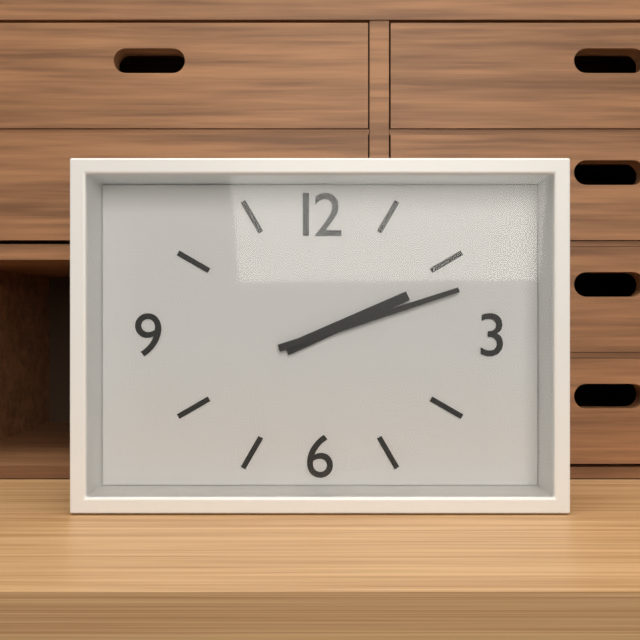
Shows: 2:12
